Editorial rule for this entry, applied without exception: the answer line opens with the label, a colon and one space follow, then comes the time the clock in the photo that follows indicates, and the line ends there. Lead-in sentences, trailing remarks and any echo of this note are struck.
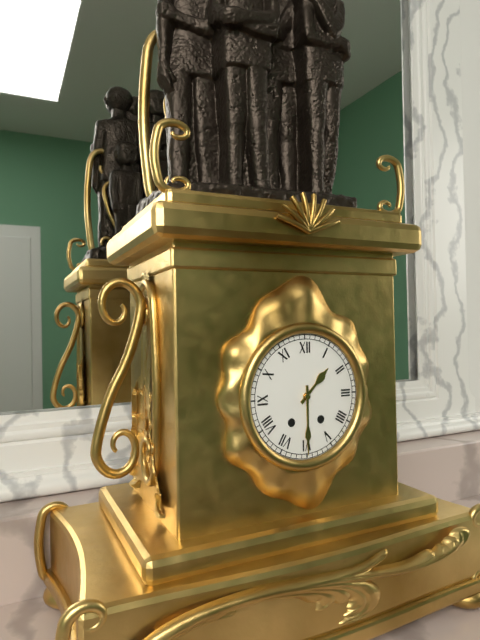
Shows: 1:30
